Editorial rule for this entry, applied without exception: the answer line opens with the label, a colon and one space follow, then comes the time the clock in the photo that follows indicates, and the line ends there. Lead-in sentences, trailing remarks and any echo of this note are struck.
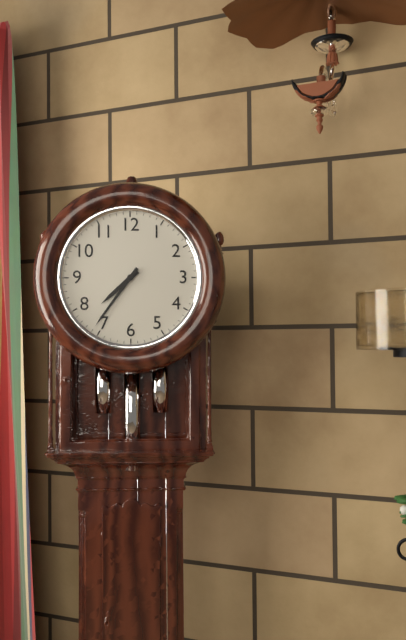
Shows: 7:36
